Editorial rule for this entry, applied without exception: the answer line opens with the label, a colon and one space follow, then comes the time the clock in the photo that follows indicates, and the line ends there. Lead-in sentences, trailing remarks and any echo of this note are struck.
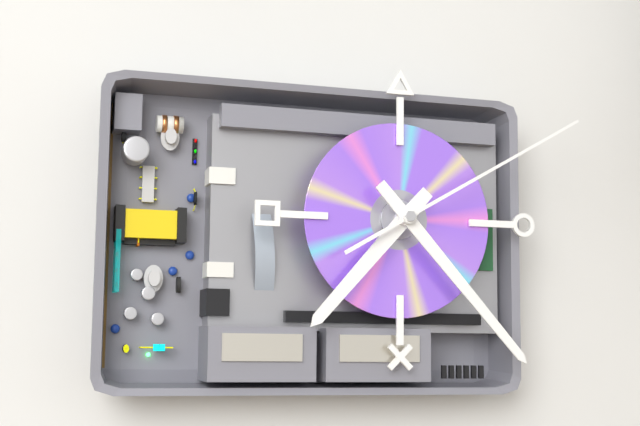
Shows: 7:23:10
